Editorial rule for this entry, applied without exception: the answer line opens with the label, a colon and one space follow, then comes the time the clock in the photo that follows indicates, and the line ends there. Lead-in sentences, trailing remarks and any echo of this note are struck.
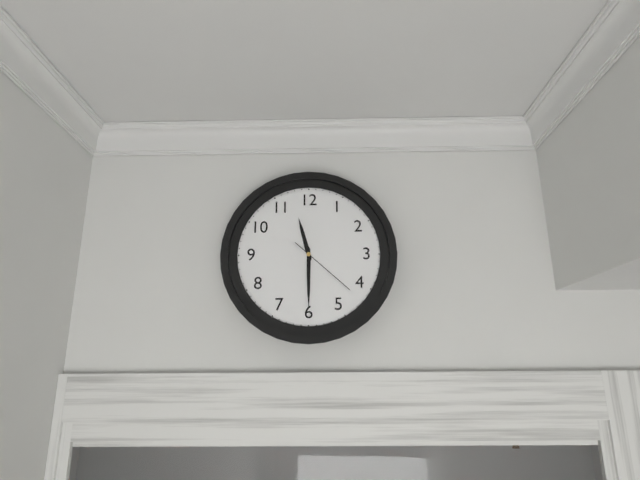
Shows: 11:30:22
